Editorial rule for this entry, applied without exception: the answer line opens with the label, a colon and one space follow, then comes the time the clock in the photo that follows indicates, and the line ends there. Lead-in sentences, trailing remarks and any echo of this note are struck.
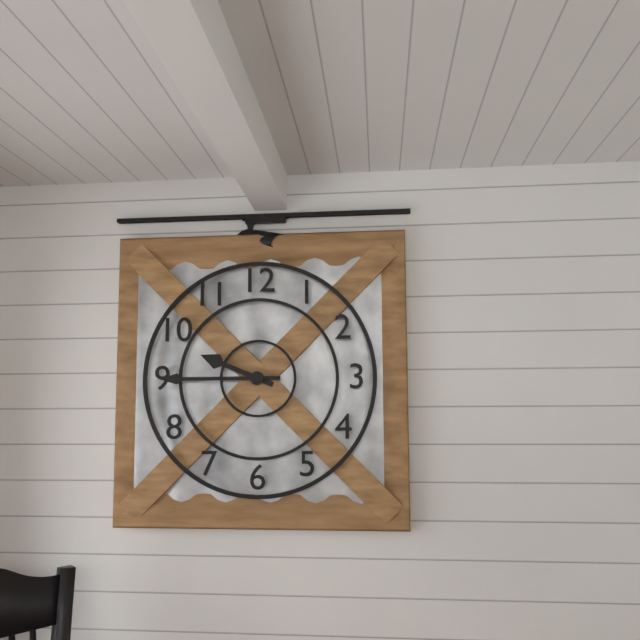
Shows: 9:45
